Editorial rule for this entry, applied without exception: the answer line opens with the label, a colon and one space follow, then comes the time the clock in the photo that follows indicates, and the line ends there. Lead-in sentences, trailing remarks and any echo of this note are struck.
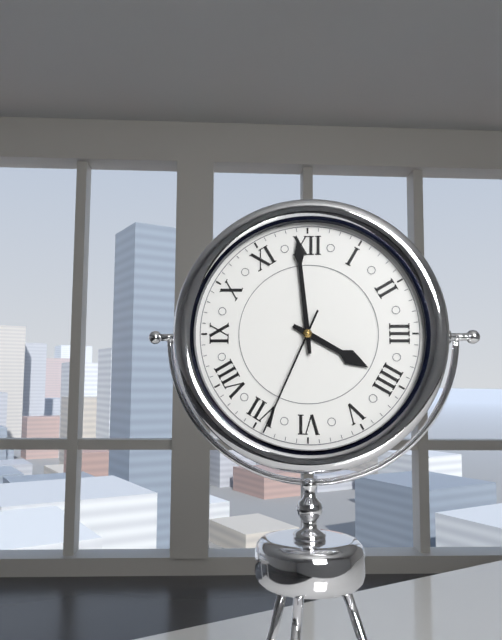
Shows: 3:59:34
